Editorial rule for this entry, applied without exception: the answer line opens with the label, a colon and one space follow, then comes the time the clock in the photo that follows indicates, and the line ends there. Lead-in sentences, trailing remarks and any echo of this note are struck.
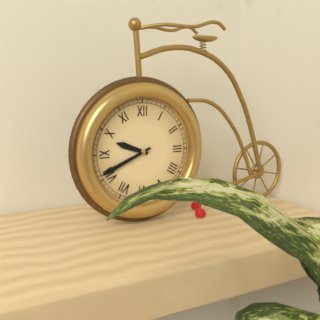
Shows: 9:41
